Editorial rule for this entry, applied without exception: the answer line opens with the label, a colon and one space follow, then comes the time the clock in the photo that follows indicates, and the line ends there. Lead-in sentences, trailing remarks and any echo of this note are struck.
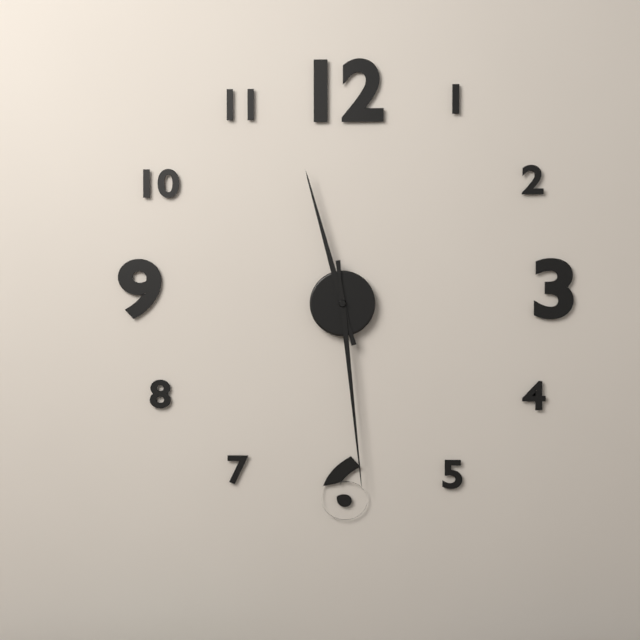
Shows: 11:29
